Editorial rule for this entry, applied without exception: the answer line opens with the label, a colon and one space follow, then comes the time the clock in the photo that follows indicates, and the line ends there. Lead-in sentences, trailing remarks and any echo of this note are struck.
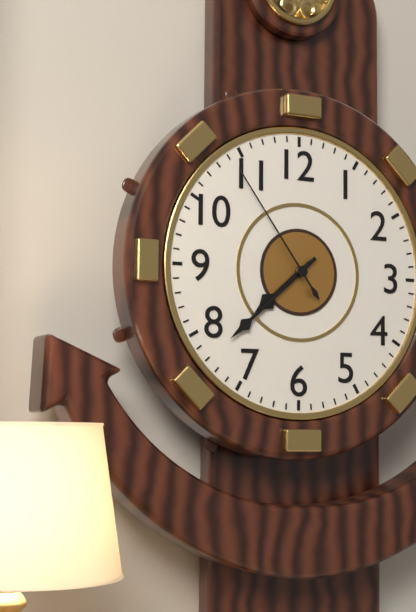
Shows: 7:38:54
